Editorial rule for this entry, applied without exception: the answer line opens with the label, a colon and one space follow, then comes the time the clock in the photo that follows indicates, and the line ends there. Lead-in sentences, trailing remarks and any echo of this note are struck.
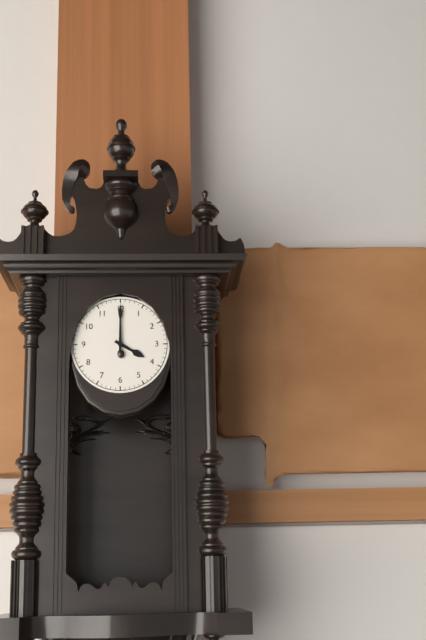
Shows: 4:00
